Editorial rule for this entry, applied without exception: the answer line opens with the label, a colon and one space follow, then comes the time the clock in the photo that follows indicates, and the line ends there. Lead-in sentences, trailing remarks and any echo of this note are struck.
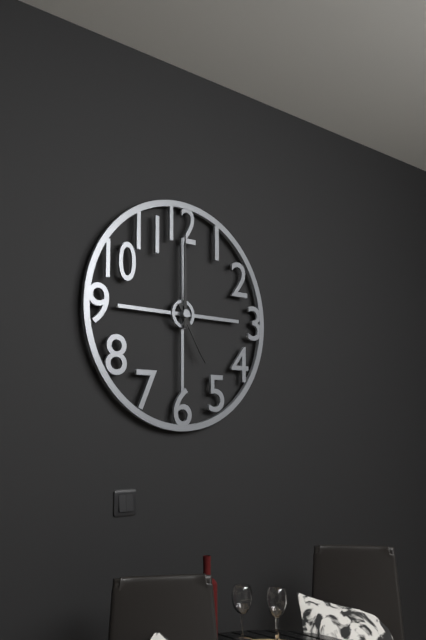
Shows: 5:00
